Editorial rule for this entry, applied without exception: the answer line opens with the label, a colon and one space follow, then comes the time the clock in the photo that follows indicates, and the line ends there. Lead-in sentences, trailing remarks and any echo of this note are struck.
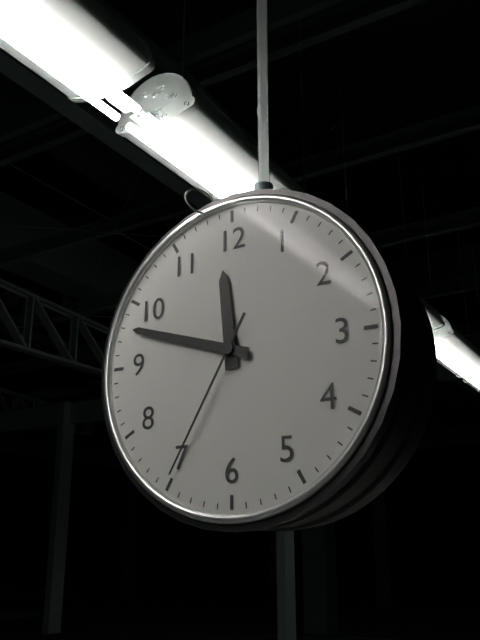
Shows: 11:48:35
